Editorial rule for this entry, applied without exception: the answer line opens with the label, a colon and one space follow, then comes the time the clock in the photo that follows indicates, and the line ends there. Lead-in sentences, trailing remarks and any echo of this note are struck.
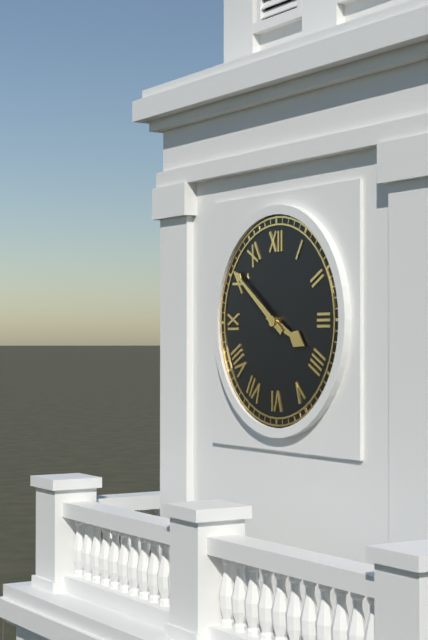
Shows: 3:51
